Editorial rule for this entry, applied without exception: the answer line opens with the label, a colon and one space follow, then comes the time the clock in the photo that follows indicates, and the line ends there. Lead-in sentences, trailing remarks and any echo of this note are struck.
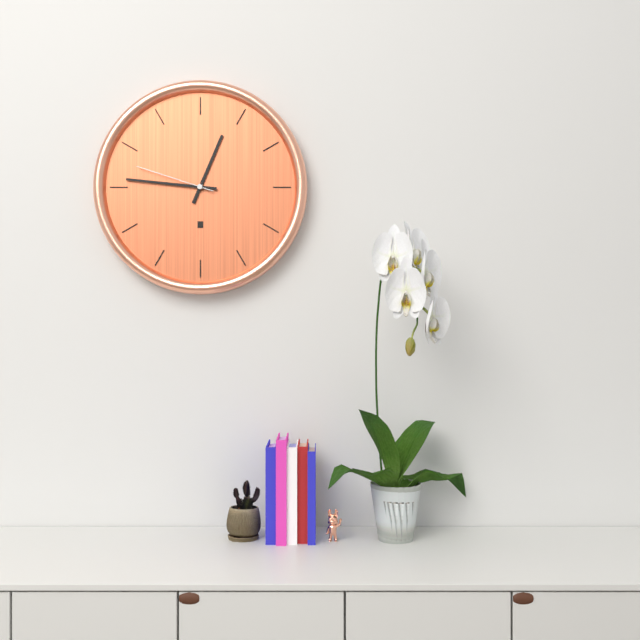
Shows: 12:46:48
